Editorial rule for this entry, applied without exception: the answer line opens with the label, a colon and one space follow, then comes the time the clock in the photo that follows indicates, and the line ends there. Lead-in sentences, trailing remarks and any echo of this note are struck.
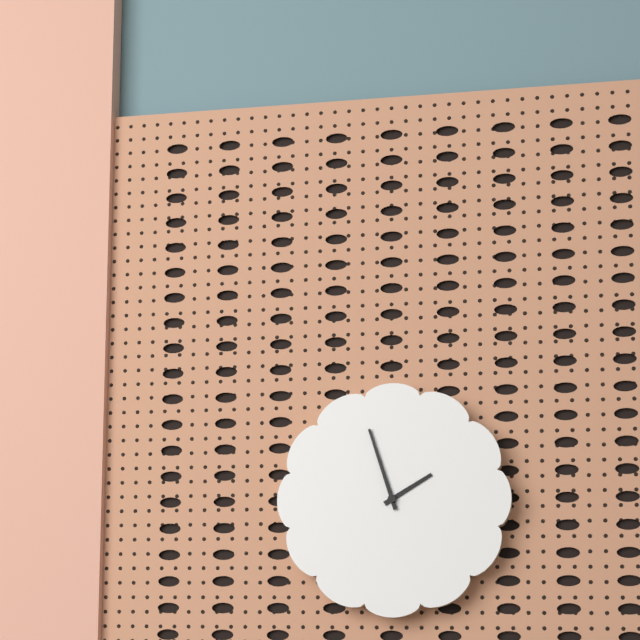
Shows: 1:57
